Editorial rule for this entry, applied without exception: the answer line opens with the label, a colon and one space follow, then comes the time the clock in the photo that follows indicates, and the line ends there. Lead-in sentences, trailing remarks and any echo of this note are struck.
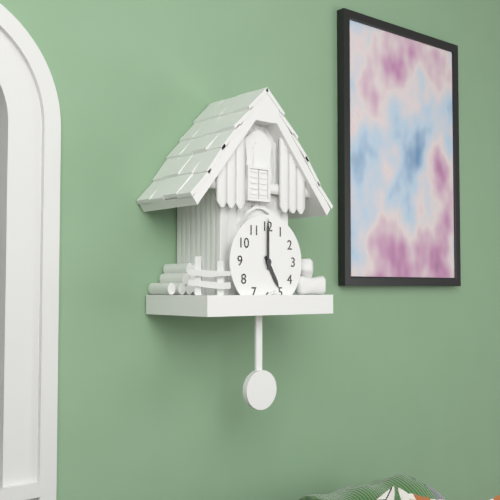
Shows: 5:00
